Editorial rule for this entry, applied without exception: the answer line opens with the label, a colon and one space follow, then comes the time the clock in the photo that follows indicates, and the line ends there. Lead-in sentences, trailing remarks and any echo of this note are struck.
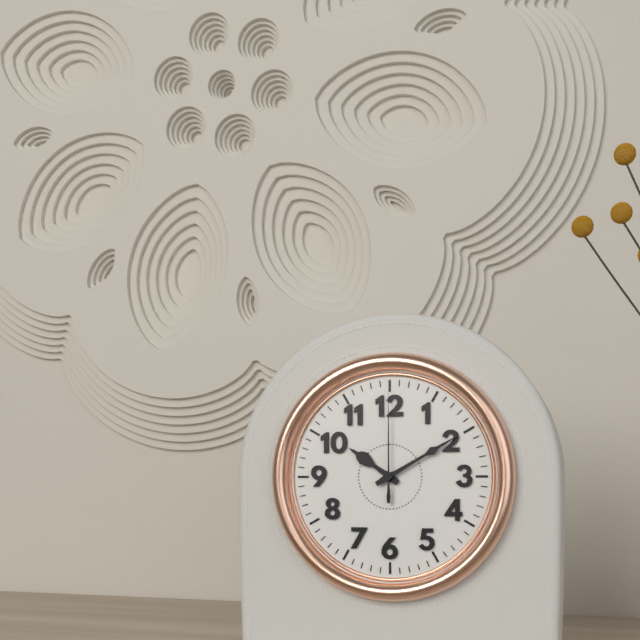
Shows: 10:10:00
